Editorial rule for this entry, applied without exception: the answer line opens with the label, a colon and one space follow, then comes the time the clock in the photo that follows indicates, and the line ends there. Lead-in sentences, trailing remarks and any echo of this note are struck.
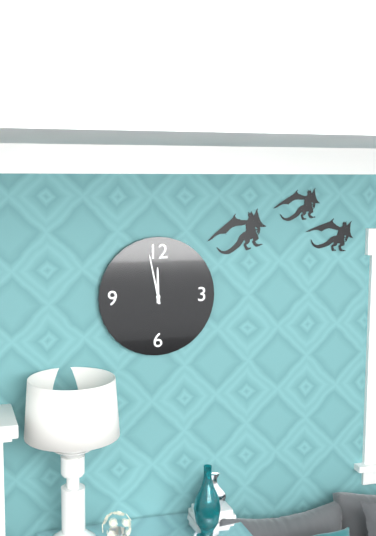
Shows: 11:58
